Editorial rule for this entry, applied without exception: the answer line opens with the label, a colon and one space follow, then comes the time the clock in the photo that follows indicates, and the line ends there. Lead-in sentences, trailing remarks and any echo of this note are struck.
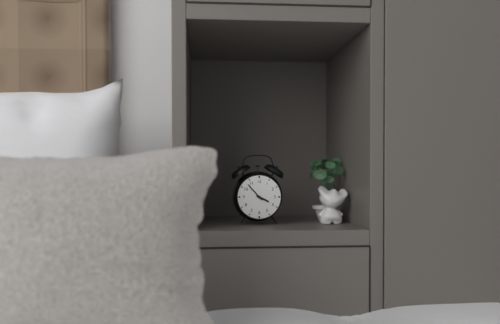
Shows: 3:53
